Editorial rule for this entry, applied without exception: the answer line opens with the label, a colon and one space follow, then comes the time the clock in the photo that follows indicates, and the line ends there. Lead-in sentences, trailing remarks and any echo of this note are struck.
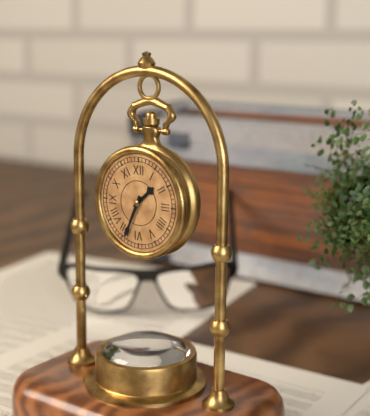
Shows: 1:34
